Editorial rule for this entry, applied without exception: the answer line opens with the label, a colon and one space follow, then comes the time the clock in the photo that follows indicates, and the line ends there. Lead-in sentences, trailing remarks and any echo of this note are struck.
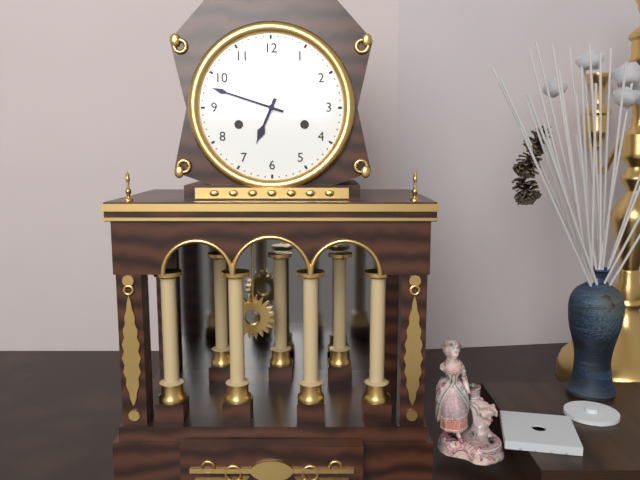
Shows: 6:48
